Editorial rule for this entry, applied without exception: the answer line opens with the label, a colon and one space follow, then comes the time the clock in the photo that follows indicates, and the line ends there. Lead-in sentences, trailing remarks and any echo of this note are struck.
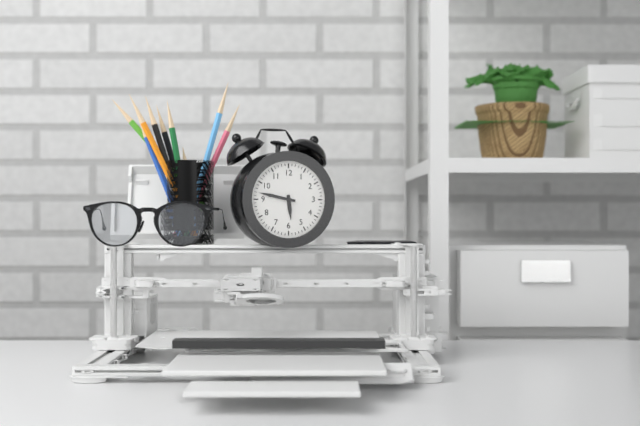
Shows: 5:47
